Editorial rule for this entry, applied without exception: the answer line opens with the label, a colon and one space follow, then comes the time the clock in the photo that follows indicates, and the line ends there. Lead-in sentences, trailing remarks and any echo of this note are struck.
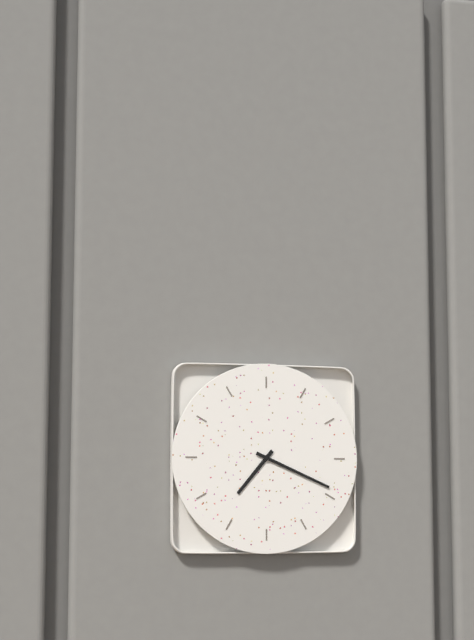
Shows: 7:19
